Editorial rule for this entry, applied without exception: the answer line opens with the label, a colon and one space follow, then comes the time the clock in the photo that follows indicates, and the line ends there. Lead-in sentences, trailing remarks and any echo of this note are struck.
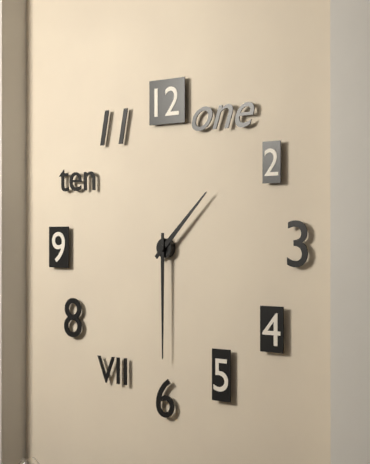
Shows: 1:30
